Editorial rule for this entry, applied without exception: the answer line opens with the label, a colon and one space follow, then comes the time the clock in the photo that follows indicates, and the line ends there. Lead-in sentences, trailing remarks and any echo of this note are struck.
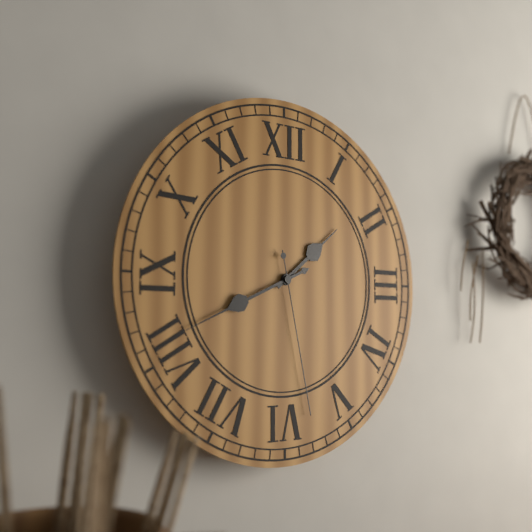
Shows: 1:41:28
